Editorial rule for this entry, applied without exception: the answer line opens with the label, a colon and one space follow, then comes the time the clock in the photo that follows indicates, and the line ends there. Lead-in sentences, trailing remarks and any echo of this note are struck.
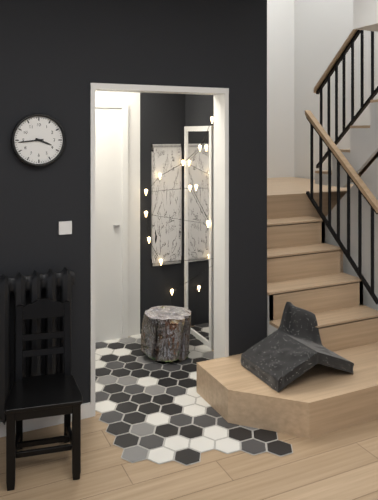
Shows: 3:44
